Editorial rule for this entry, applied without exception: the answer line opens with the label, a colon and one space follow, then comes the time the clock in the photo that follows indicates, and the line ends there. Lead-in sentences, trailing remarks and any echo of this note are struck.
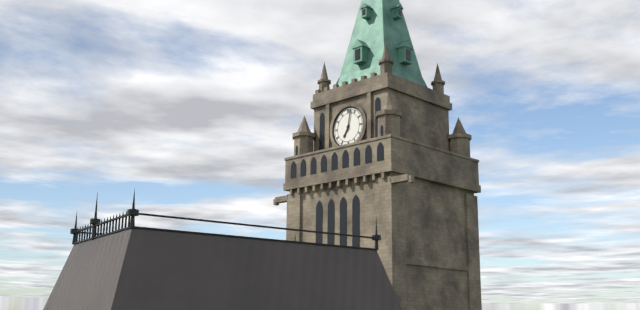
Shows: 7:02
